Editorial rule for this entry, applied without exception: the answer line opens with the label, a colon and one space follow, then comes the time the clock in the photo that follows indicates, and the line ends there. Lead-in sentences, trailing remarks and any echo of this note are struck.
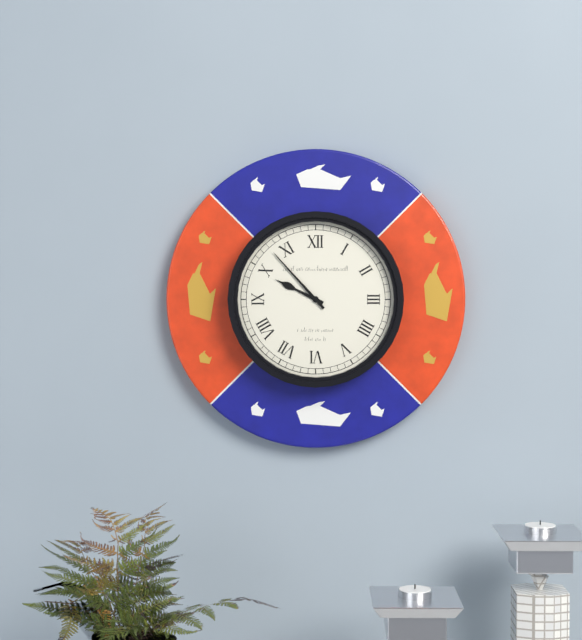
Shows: 9:53
